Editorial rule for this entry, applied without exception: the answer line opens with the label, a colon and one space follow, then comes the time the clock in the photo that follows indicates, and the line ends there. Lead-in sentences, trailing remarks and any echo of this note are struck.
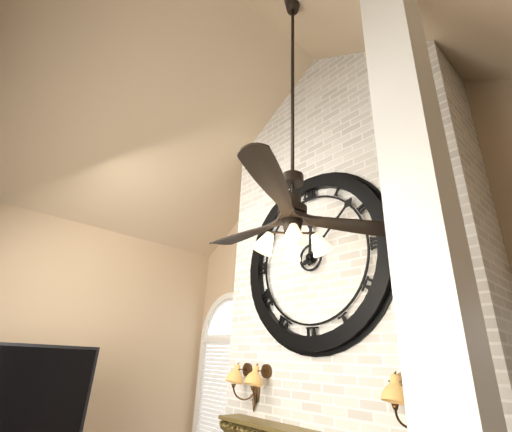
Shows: 12:08
